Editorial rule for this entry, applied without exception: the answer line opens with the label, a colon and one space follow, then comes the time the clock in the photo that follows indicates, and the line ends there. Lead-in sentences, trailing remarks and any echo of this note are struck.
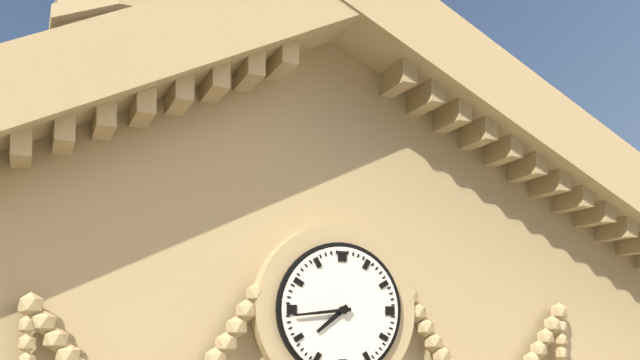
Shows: 7:44
